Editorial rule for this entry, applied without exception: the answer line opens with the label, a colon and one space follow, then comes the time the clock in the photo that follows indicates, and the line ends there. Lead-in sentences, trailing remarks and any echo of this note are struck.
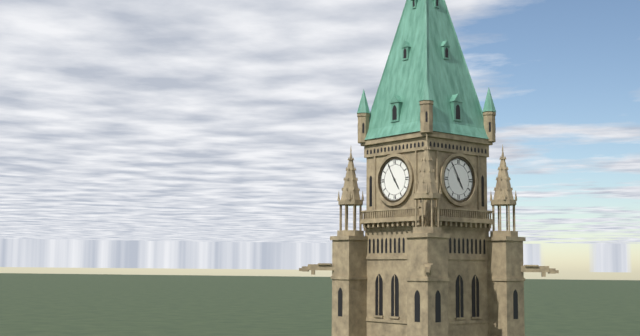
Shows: 4:55
